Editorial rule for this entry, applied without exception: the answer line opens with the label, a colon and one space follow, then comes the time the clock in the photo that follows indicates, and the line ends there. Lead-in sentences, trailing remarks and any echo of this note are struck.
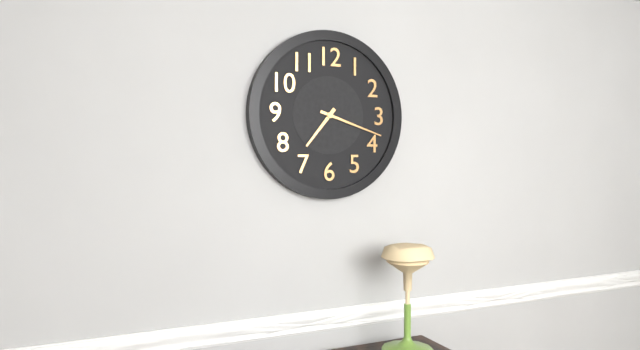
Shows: 7:18
